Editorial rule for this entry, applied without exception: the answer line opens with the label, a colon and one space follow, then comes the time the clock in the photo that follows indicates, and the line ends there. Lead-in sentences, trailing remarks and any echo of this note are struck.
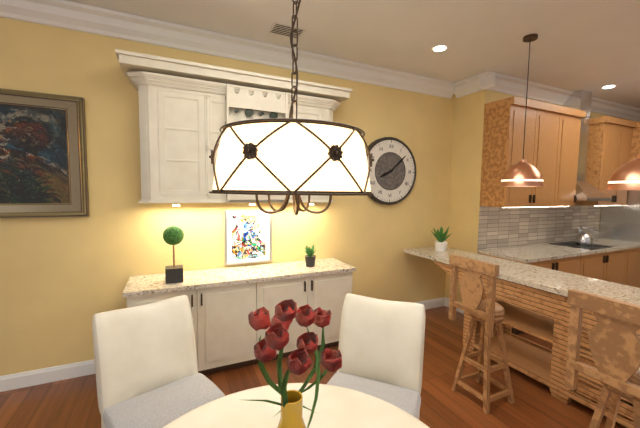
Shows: 8:08
